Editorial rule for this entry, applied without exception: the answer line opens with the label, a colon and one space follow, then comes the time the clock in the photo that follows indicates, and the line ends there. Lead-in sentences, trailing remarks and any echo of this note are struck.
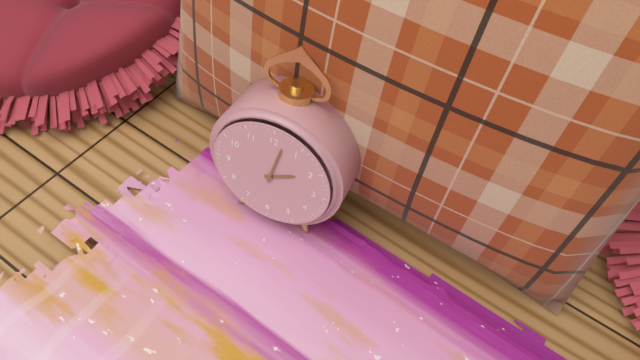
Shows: 2:02
